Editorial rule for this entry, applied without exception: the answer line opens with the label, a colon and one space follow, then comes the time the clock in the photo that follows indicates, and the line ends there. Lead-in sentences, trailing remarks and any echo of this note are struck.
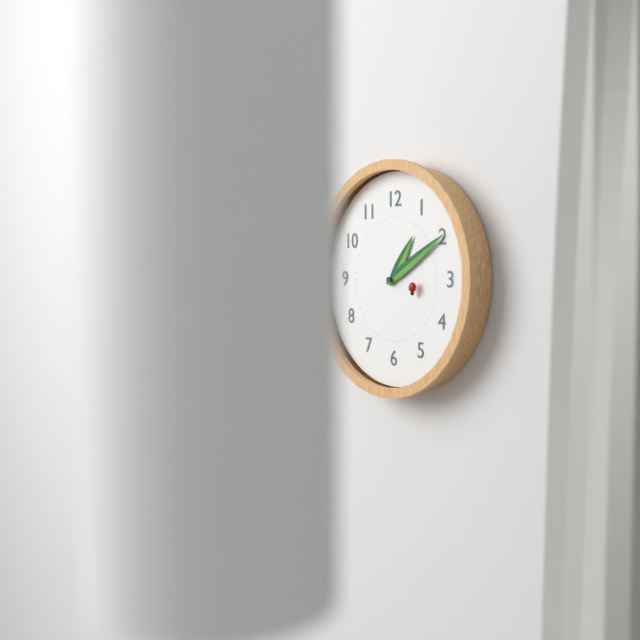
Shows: 1:10
